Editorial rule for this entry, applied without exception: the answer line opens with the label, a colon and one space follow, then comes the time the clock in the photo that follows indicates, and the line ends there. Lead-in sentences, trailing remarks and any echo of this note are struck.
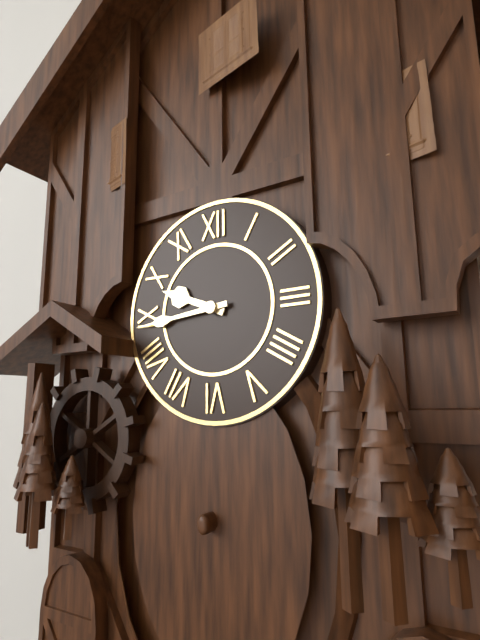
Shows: 9:44
